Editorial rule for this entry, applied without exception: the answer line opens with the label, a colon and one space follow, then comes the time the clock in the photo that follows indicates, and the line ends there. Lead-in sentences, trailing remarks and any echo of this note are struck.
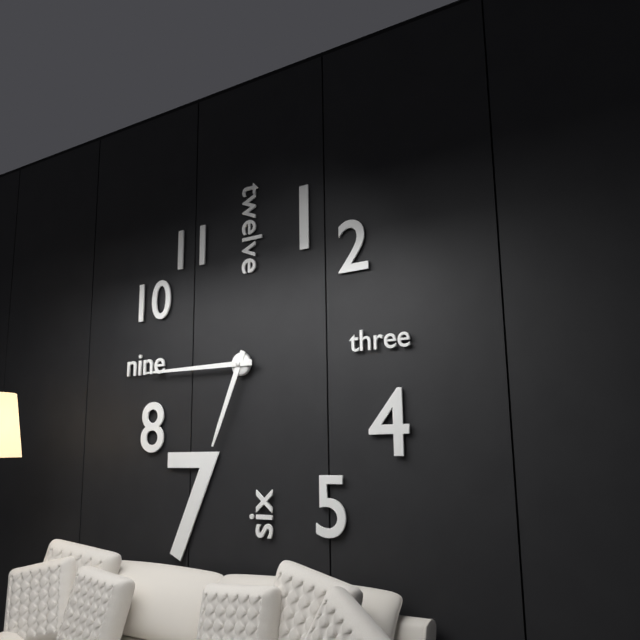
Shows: 6:45
